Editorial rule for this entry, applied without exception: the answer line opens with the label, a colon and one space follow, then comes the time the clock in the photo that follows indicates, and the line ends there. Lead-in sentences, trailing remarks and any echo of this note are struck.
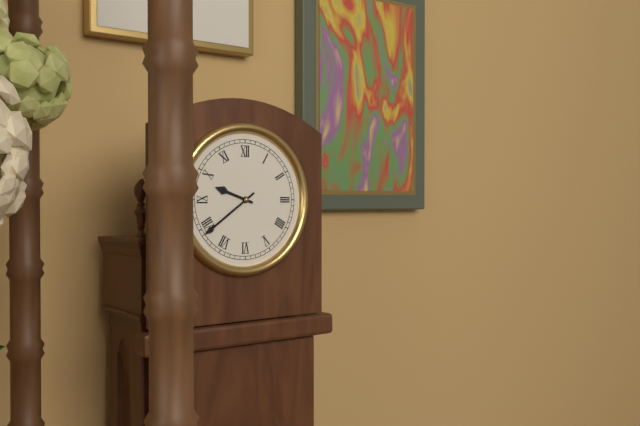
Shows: 9:39
